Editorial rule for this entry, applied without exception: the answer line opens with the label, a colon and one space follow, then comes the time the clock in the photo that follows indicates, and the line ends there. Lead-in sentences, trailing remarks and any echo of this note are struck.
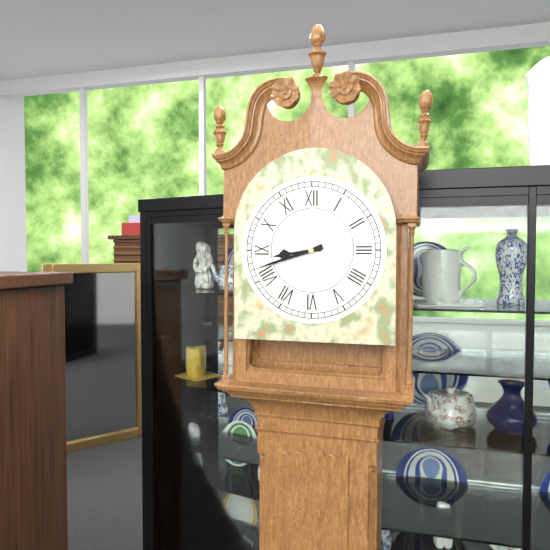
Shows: 8:42
